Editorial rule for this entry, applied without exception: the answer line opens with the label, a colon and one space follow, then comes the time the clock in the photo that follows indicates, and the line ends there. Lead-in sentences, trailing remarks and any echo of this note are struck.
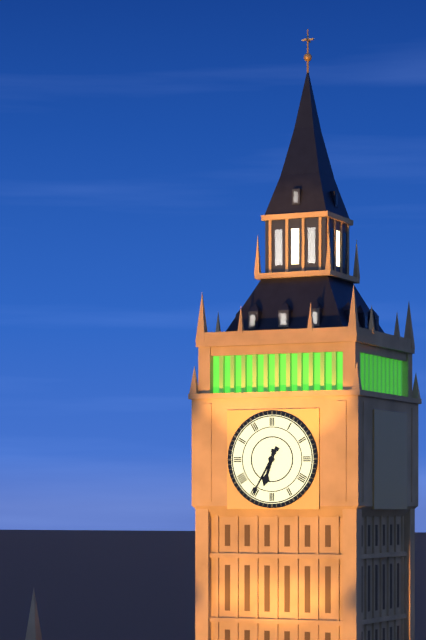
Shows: 6:35
